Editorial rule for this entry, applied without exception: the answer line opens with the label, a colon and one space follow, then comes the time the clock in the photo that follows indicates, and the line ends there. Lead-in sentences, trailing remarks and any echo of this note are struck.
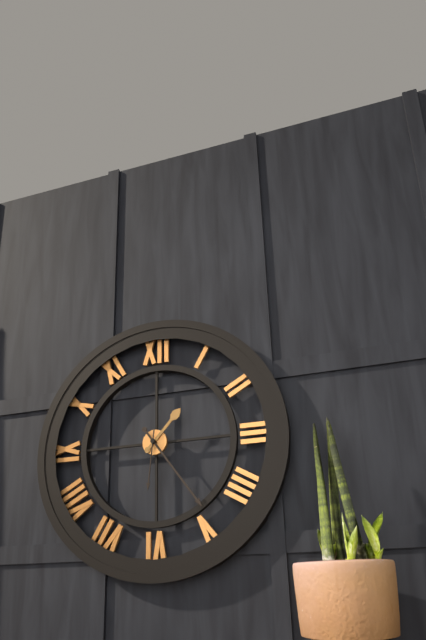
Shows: 1:24:31
